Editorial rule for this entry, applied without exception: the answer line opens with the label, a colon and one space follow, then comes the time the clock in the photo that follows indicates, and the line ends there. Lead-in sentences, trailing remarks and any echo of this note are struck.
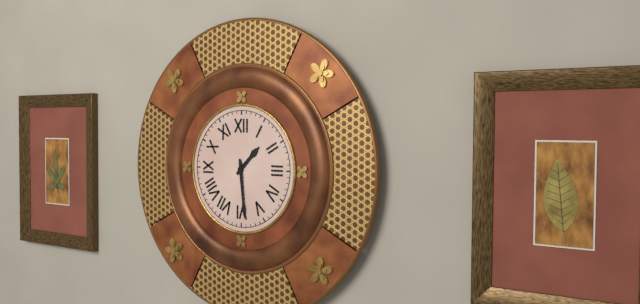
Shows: 1:29
